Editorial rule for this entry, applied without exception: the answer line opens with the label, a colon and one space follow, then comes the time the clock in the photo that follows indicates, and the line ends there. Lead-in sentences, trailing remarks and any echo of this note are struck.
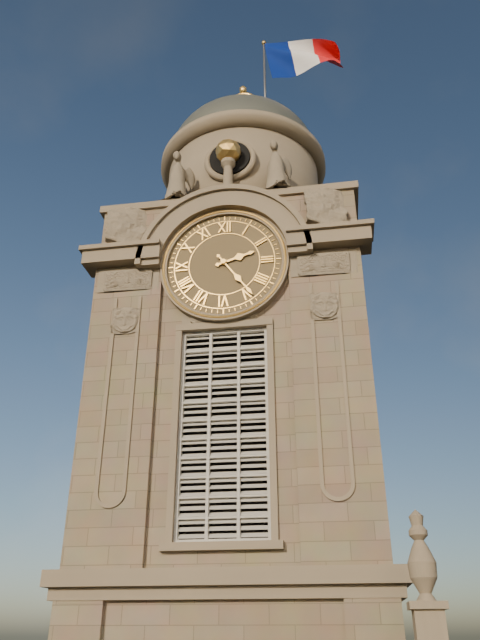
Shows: 2:24
